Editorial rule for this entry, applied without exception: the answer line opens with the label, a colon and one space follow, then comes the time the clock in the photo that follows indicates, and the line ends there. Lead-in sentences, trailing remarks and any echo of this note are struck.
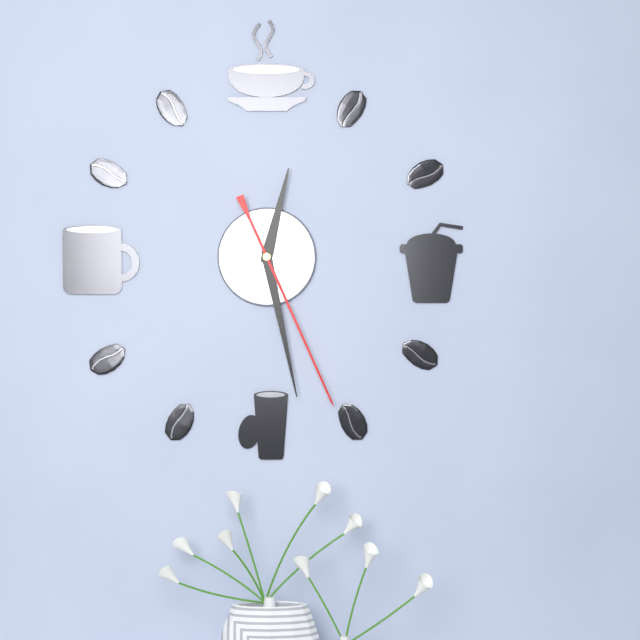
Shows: 12:28:26
